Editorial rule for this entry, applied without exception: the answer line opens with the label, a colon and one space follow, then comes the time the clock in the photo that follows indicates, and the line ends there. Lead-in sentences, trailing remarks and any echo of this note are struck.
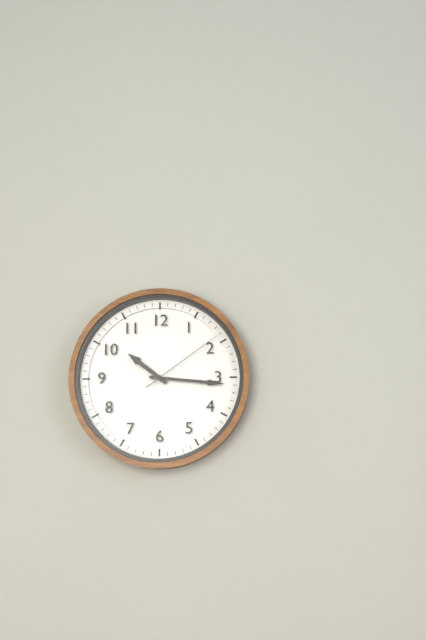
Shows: 10:16:09
